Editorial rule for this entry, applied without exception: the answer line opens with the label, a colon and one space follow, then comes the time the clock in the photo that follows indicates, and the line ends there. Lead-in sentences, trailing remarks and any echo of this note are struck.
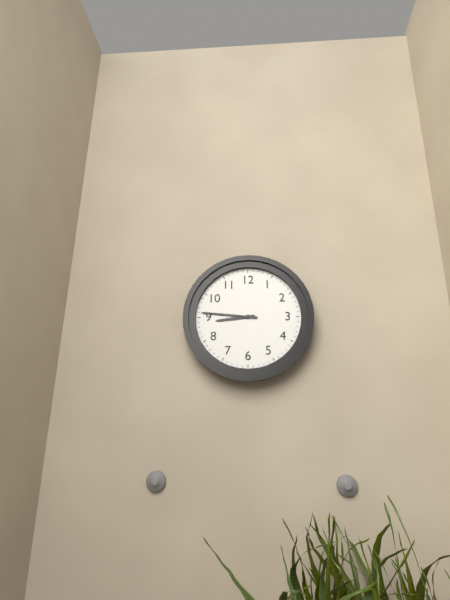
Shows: 8:46
